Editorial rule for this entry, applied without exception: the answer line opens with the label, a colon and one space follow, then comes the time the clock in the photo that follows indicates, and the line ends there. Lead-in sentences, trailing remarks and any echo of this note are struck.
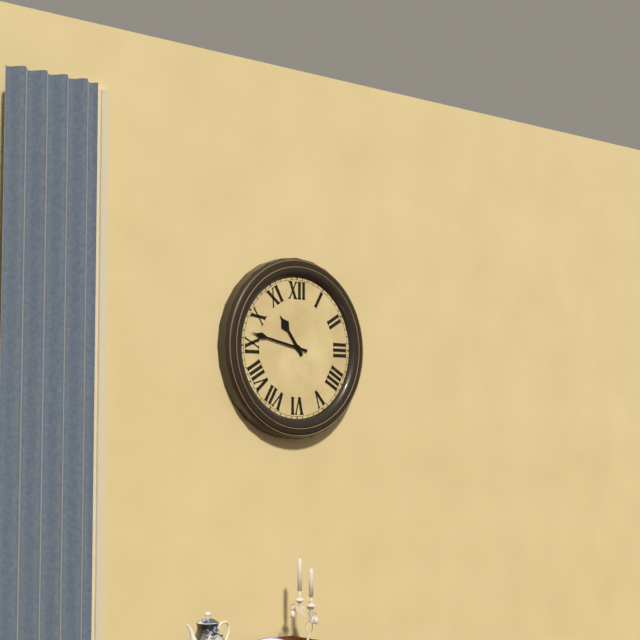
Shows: 10:47
